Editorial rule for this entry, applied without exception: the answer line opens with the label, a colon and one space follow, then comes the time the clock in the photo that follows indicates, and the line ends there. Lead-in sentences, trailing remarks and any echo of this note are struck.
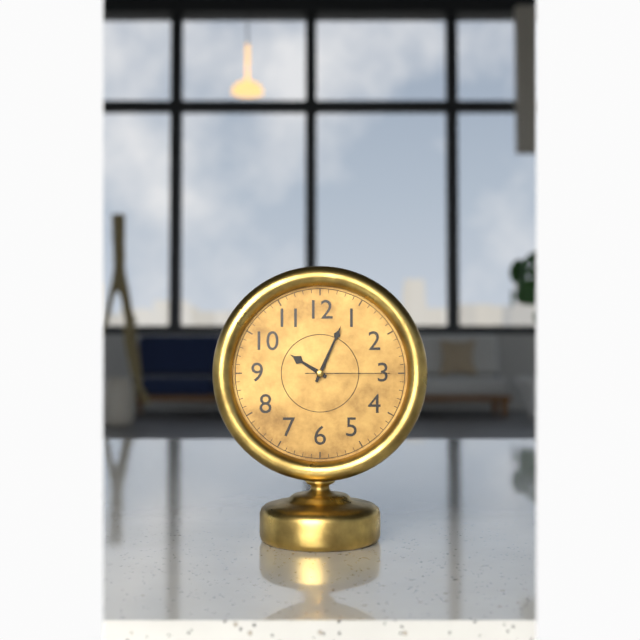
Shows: 10:04:15
